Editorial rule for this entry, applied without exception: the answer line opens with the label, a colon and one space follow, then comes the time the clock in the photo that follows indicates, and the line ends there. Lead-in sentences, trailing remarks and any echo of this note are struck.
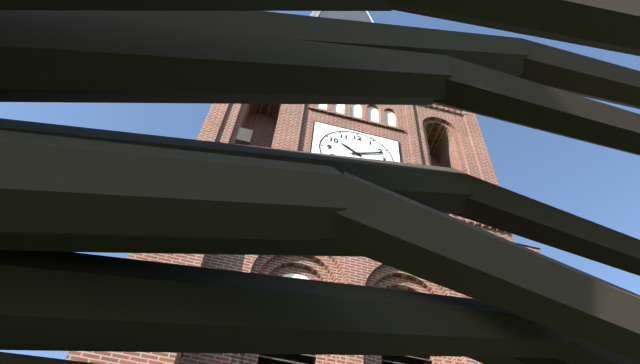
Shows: 10:11
